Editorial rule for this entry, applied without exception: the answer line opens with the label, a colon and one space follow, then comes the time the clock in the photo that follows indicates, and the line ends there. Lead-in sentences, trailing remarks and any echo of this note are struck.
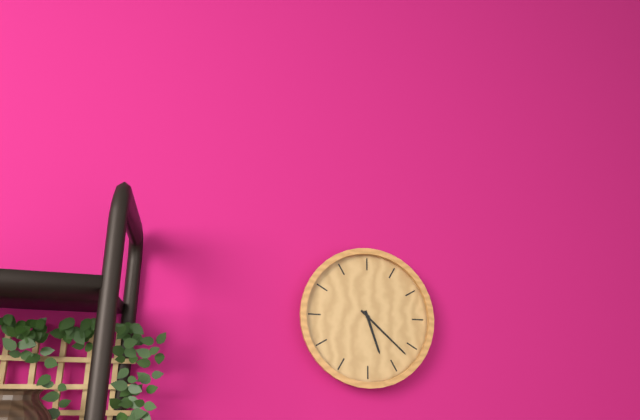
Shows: 5:22
